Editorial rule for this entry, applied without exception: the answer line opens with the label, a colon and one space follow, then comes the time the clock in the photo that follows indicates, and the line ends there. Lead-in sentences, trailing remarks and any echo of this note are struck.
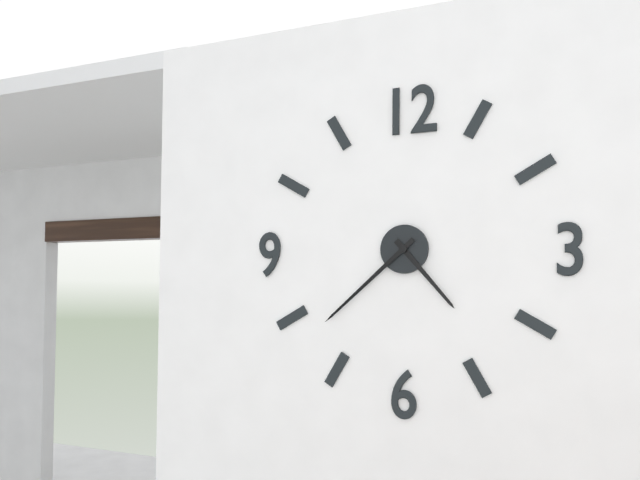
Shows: 4:38
